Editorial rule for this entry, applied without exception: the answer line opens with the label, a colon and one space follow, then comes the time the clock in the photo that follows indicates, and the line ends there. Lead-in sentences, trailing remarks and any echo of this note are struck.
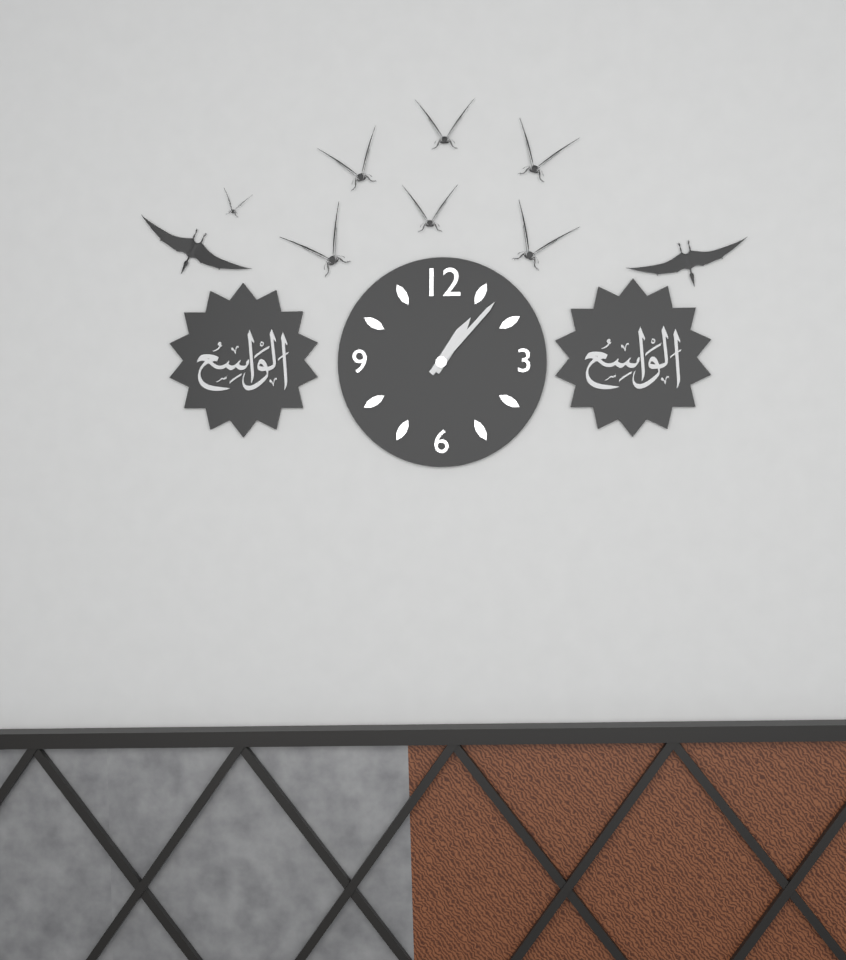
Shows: 1:07
